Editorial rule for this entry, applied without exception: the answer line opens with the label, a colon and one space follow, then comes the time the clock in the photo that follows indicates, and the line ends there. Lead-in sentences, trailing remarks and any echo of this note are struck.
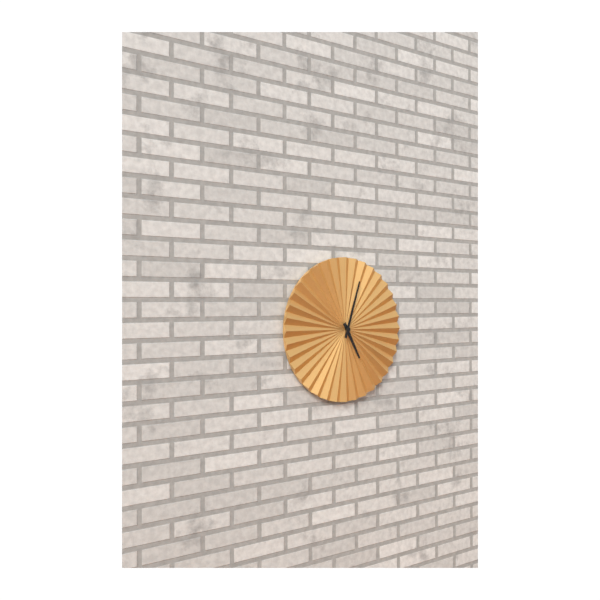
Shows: 5:03
